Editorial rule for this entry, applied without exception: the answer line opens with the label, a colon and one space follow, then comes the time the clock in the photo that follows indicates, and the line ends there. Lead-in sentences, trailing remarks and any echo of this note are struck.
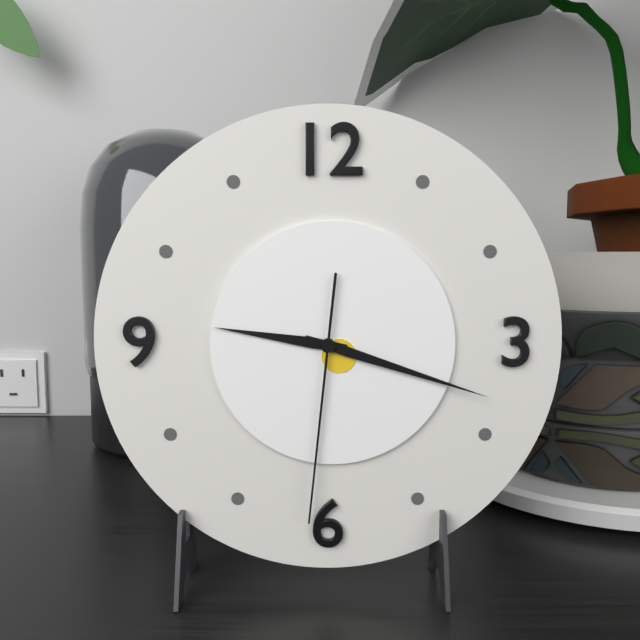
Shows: 9:18:31
